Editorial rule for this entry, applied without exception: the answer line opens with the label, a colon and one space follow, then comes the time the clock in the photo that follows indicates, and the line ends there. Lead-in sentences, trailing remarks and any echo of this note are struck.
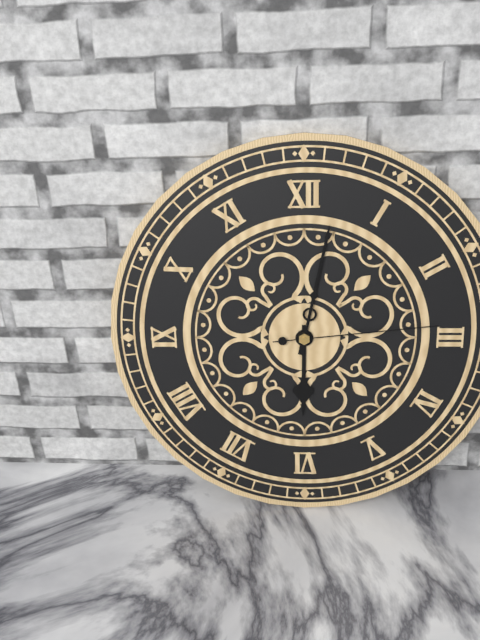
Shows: 6:02:14
